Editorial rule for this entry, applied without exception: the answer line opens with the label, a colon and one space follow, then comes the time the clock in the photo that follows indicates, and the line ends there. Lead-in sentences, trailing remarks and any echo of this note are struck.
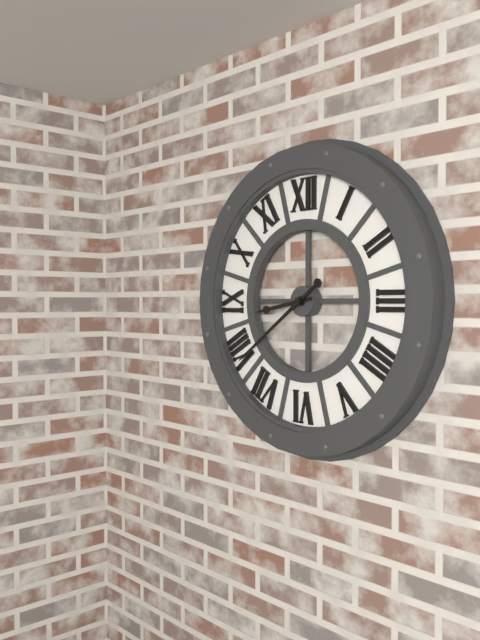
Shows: 8:39
